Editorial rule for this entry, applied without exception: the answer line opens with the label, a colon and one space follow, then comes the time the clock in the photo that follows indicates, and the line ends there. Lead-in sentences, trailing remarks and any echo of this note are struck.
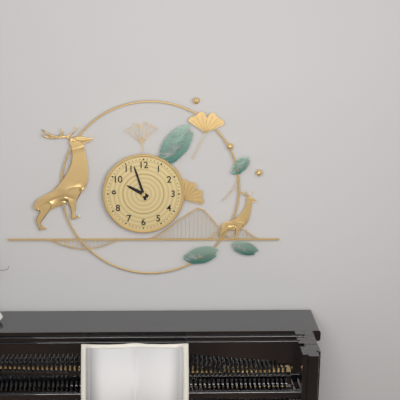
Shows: 9:57
